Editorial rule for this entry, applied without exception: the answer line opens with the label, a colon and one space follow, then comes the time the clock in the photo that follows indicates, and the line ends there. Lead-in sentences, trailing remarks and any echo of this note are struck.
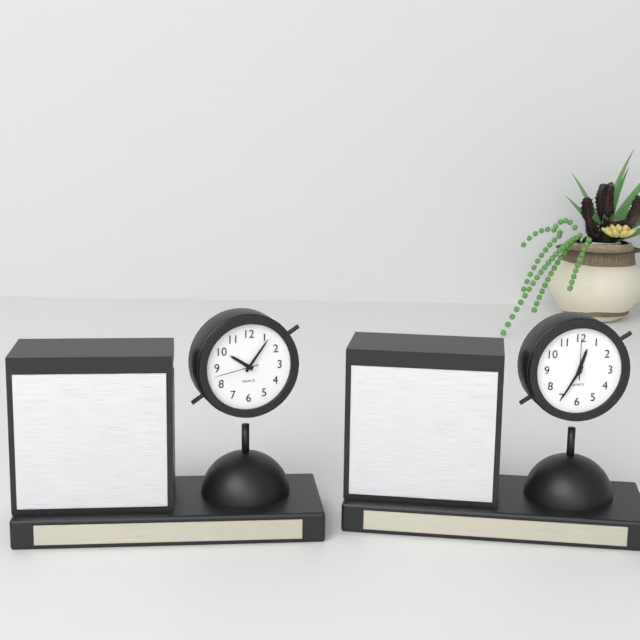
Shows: 10:06
